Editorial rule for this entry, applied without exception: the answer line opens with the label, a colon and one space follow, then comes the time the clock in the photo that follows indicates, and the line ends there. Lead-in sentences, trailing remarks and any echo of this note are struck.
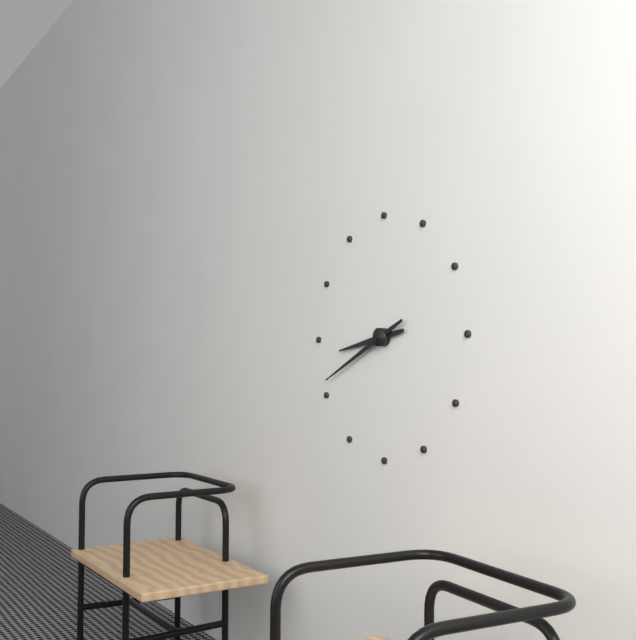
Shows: 8:41
